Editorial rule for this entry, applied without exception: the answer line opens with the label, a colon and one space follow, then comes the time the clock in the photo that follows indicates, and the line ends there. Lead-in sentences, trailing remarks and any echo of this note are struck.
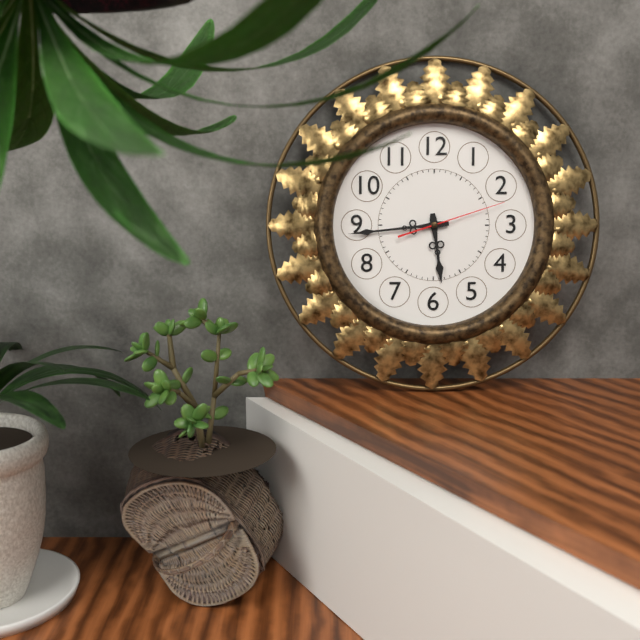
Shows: 5:44:12
